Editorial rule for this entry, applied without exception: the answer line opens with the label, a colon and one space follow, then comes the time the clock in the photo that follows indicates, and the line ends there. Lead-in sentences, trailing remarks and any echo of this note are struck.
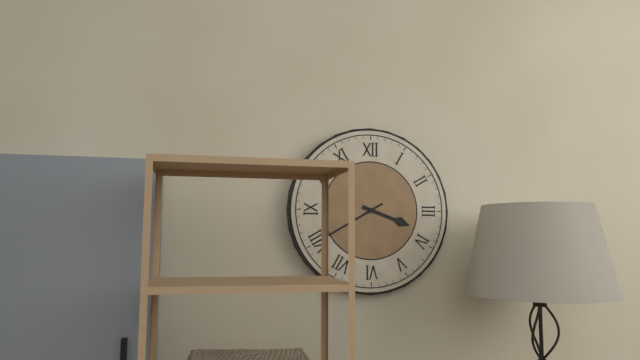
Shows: 3:40
